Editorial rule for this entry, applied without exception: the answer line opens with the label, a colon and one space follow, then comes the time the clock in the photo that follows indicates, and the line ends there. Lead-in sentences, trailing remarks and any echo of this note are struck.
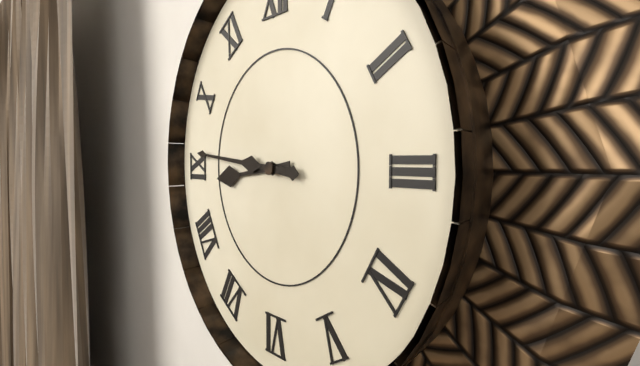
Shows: 8:46
